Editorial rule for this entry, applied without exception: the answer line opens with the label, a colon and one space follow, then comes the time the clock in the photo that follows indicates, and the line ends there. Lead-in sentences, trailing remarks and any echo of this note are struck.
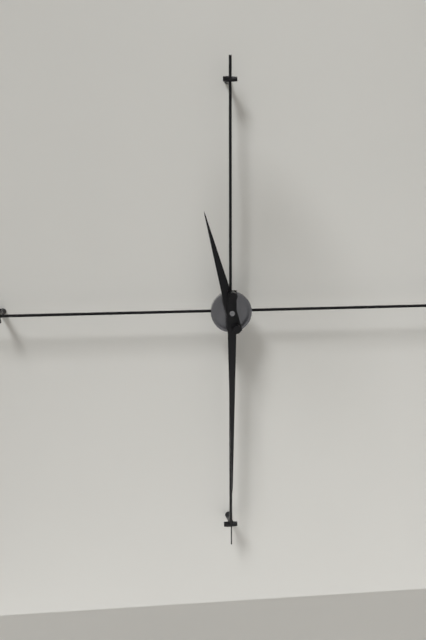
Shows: 11:30
